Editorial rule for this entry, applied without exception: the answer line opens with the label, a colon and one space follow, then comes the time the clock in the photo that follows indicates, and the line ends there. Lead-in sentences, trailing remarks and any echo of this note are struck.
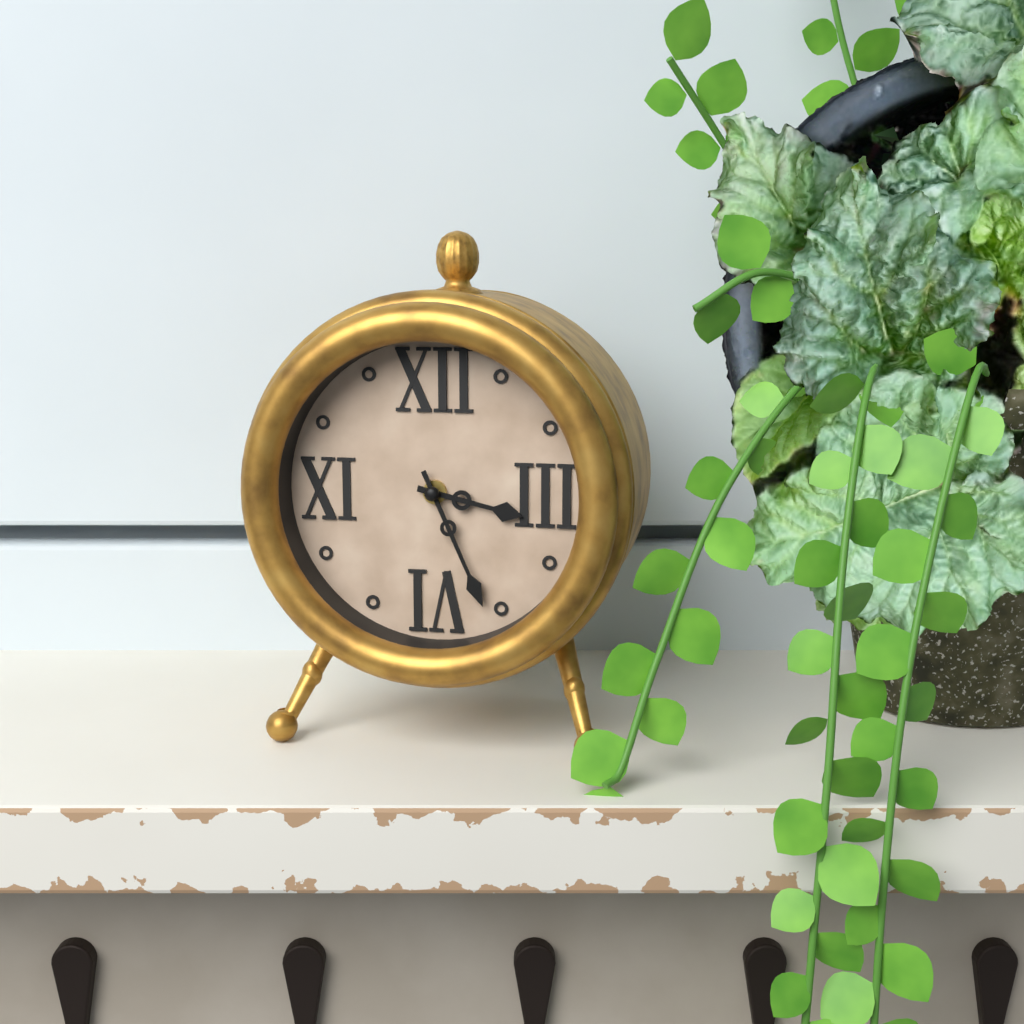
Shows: 3:26
